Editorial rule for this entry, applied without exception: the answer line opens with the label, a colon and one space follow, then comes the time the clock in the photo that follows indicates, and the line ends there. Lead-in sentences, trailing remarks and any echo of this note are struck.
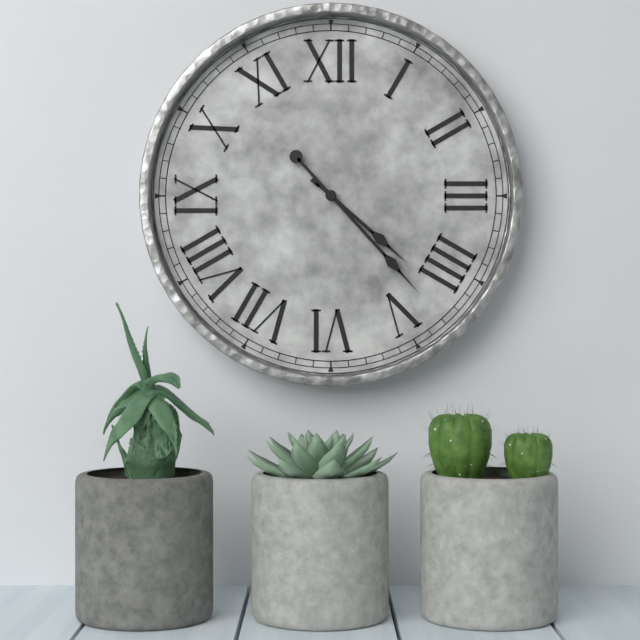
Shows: 4:23
